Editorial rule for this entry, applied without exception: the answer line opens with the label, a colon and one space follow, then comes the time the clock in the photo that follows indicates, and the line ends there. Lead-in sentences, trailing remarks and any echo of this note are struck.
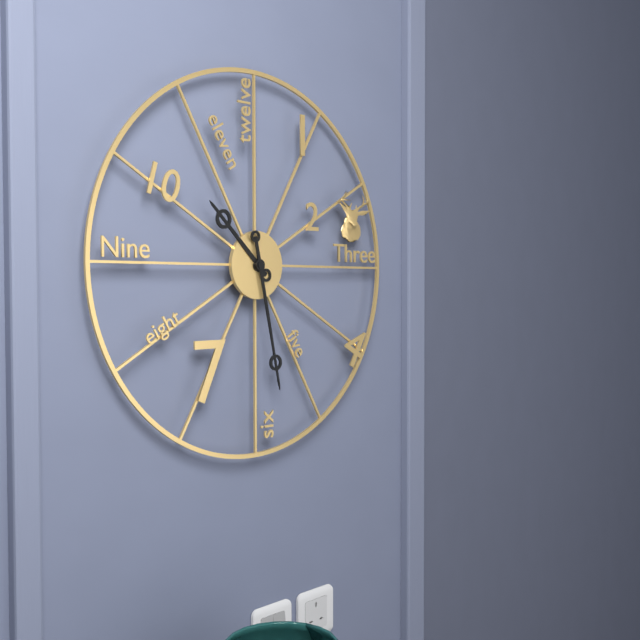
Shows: 10:28
